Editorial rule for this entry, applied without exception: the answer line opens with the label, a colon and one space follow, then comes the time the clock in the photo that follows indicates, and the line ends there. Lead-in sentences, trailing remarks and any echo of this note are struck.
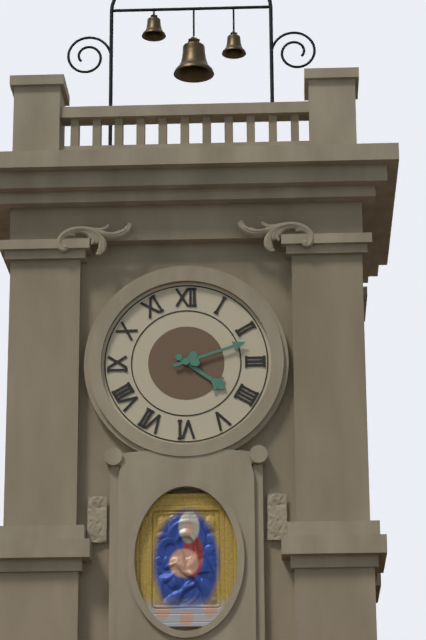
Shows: 4:12
